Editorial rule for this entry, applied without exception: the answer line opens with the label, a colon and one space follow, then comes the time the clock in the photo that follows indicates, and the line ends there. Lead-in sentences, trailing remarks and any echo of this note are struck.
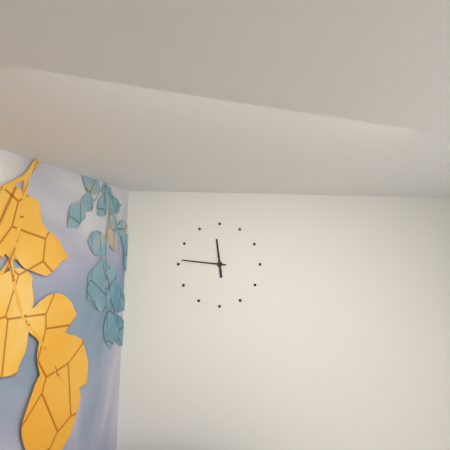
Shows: 11:46
